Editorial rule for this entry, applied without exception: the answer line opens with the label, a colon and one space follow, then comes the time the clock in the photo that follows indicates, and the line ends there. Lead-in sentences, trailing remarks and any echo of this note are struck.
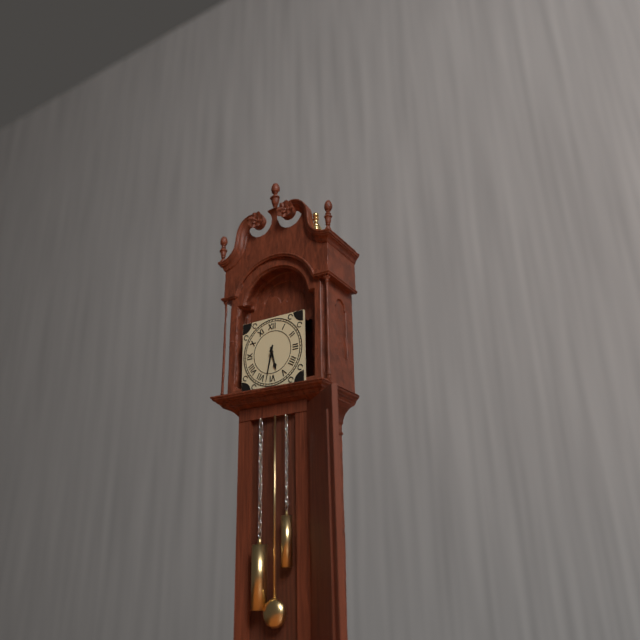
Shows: 5:32
